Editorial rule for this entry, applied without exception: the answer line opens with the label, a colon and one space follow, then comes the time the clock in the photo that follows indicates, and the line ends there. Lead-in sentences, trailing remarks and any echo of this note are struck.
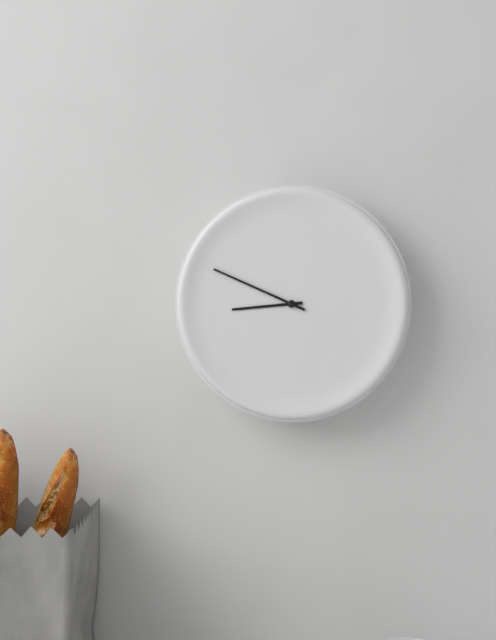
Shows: 8:49
